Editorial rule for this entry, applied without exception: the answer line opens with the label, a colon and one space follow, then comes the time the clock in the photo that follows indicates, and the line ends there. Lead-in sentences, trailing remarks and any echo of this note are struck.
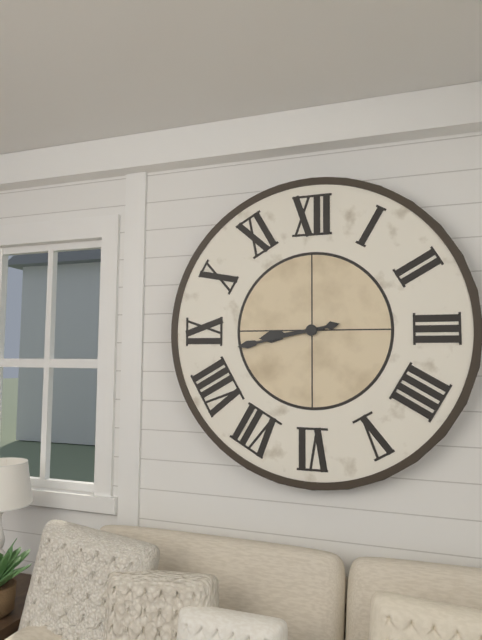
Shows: 8:43
